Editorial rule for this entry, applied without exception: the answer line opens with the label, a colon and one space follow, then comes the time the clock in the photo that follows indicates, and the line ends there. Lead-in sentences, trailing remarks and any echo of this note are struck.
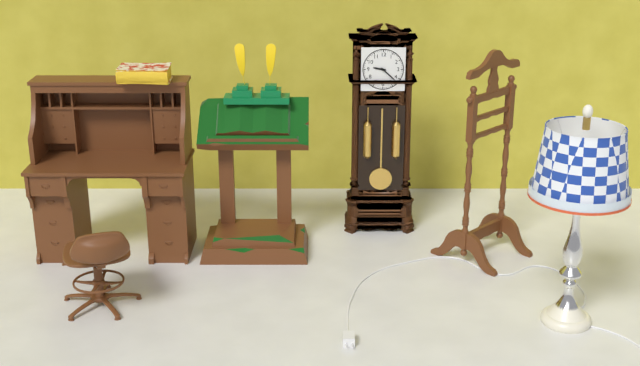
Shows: 9:22
